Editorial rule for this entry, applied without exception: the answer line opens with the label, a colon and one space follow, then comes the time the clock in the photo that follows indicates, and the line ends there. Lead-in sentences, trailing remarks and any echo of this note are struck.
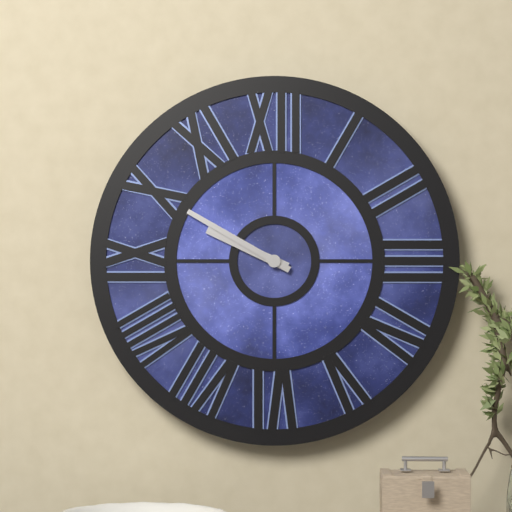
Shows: 9:50
